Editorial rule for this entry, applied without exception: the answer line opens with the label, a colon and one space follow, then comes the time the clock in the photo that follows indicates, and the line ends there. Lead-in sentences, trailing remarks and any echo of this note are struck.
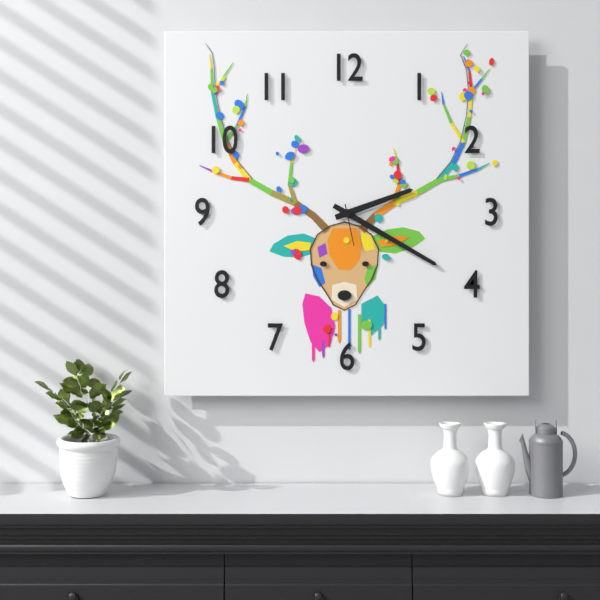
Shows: 2:20
